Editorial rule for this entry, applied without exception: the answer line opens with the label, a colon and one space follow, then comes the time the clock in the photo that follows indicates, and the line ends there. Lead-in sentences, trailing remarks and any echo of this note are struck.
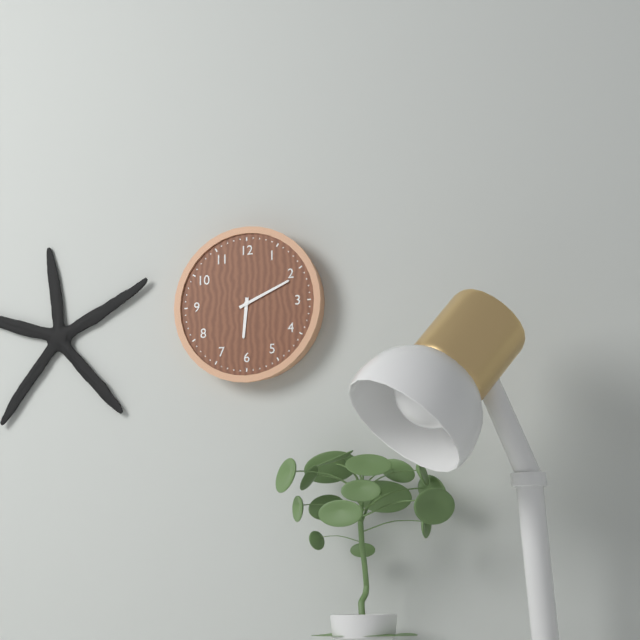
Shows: 6:11
